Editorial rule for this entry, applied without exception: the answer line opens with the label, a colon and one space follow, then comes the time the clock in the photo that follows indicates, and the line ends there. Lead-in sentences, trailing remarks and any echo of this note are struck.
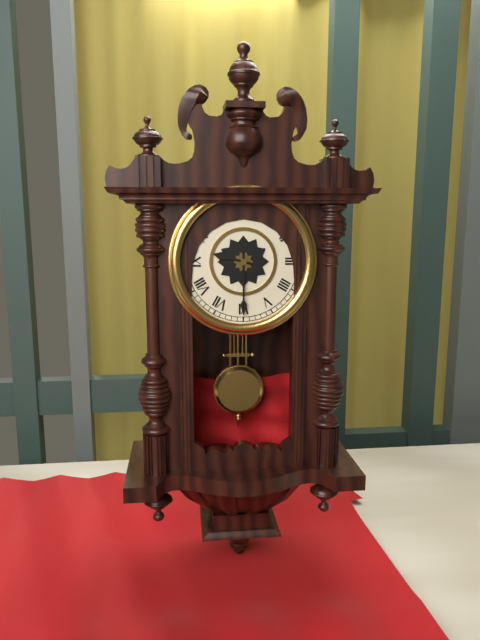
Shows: 9:30
